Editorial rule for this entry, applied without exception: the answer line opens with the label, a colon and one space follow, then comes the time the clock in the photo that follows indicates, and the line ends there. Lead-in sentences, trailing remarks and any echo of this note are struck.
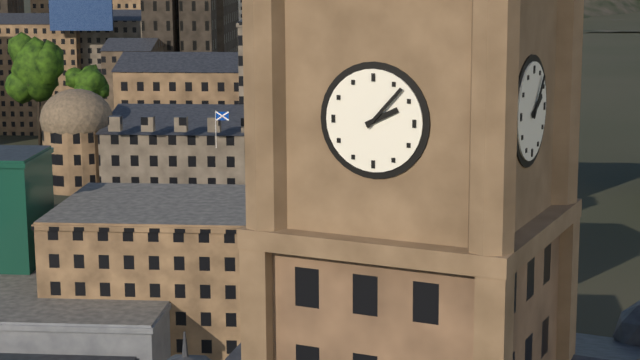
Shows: 2:07
